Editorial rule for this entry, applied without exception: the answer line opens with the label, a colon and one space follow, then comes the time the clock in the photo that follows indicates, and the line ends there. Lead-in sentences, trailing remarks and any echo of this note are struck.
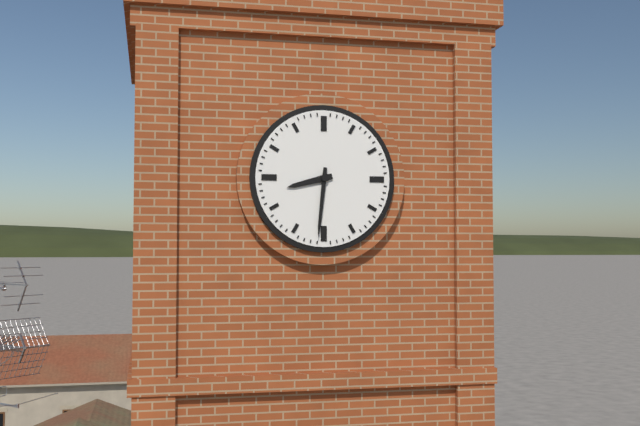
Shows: 8:31
